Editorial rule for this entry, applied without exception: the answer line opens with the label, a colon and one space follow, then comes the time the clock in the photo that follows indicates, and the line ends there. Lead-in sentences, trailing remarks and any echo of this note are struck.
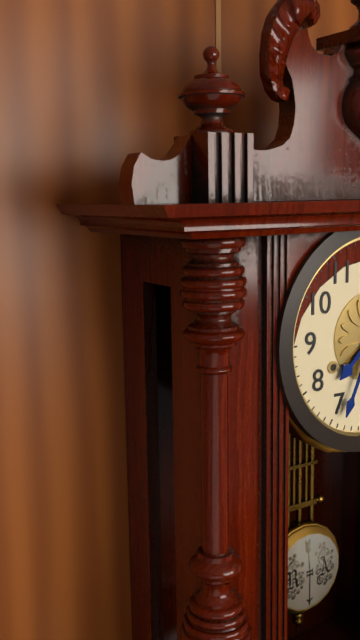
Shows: 7:34
